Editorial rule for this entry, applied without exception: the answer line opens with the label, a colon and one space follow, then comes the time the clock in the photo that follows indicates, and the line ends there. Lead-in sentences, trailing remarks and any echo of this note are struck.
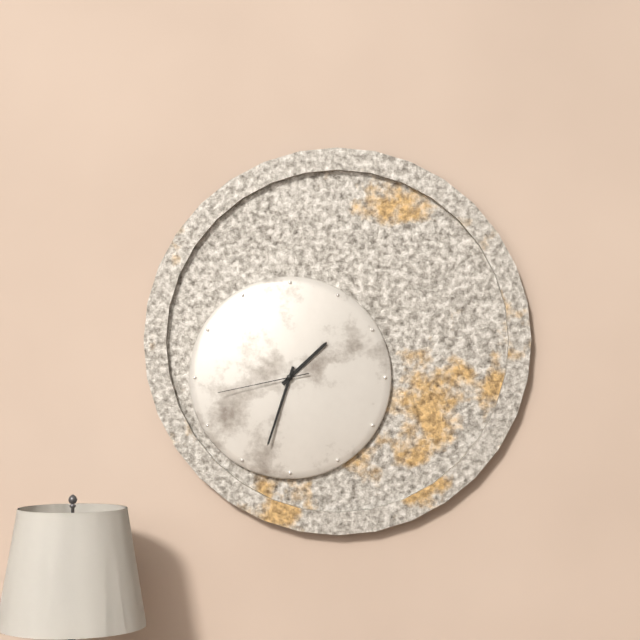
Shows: 1:33:43
